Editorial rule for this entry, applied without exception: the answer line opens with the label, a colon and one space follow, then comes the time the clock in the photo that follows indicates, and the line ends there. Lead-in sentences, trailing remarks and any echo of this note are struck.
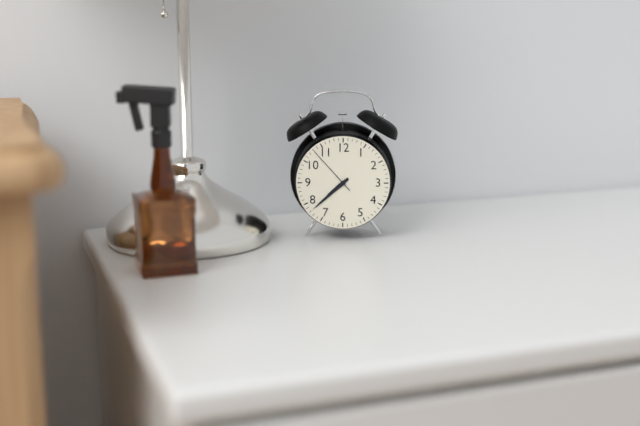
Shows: 7:38:53
